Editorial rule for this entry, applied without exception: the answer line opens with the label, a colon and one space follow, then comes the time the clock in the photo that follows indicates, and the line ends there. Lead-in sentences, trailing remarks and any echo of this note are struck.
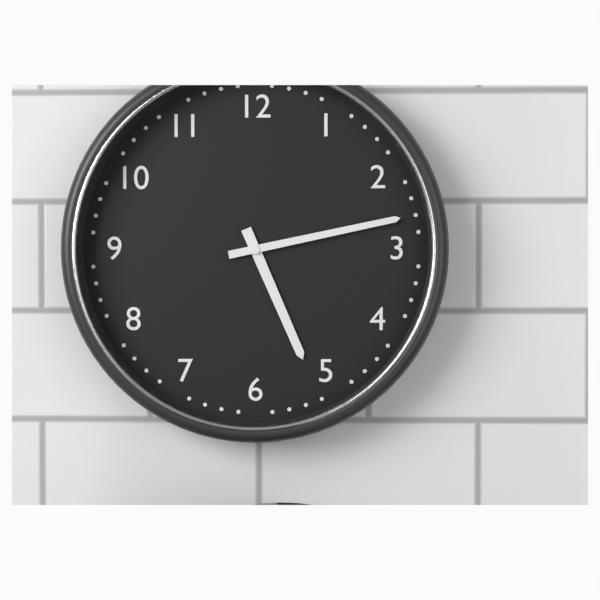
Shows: 5:13
